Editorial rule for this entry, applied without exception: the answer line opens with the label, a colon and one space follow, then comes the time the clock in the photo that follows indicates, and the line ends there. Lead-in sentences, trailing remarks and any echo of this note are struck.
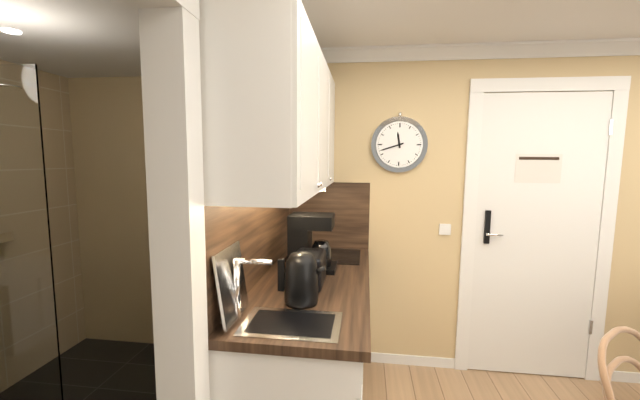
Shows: 11:42
